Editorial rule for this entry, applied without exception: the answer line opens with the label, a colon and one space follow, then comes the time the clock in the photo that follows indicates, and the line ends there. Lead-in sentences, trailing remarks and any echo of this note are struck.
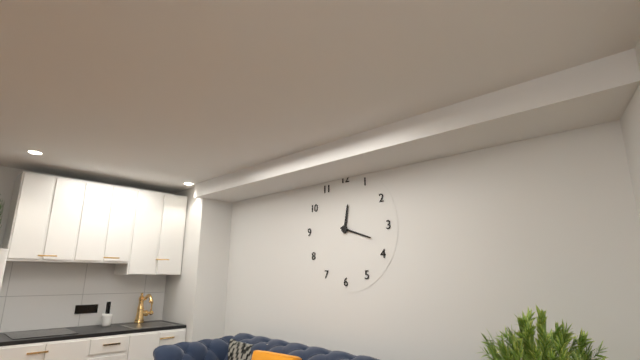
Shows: 12:18
